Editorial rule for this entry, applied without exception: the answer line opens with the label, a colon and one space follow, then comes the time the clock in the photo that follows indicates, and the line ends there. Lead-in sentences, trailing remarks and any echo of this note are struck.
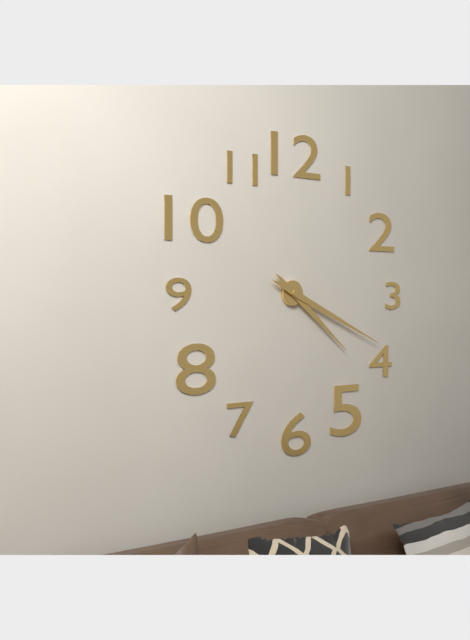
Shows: 4:19
